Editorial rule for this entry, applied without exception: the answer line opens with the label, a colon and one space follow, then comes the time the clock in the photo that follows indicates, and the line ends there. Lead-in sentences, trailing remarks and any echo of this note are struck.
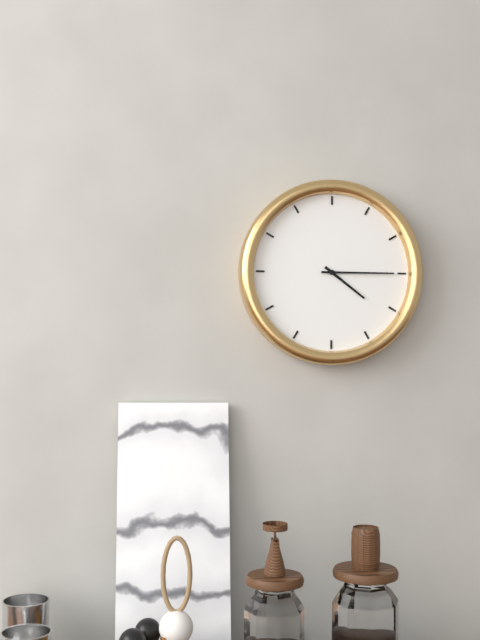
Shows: 4:15
